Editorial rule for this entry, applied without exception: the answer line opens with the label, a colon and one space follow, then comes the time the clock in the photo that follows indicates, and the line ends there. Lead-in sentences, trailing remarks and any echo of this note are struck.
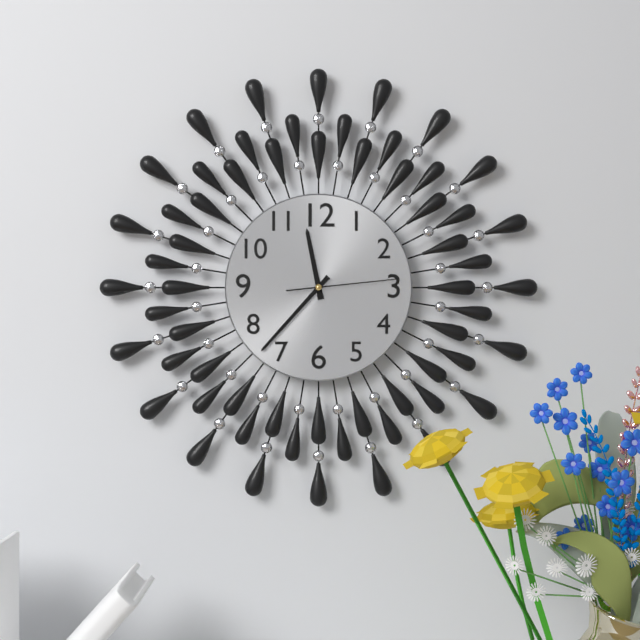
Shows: 11:37:14
